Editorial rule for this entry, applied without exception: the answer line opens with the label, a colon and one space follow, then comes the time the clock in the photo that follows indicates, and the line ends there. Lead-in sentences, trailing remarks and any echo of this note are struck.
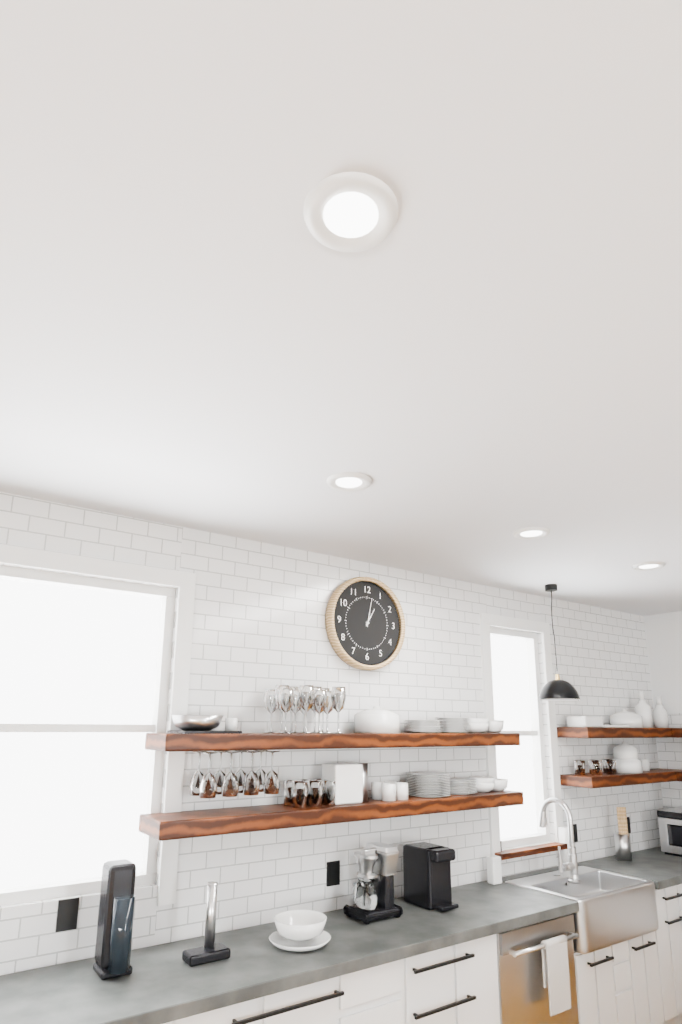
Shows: 1:02
